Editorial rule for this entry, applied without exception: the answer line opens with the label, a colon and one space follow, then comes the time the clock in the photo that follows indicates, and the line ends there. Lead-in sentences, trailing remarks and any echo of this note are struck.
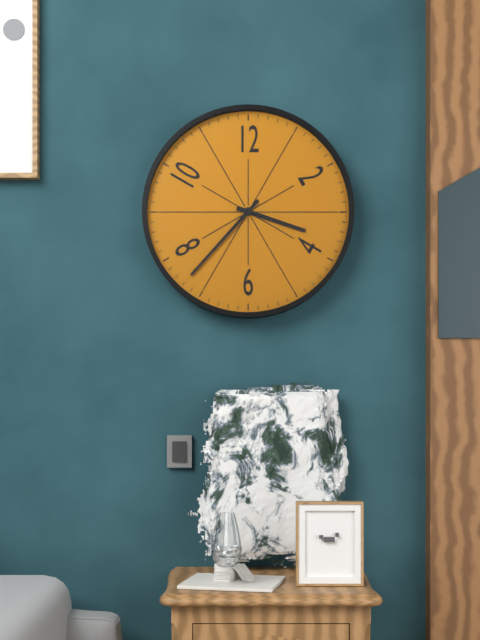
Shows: 3:37
